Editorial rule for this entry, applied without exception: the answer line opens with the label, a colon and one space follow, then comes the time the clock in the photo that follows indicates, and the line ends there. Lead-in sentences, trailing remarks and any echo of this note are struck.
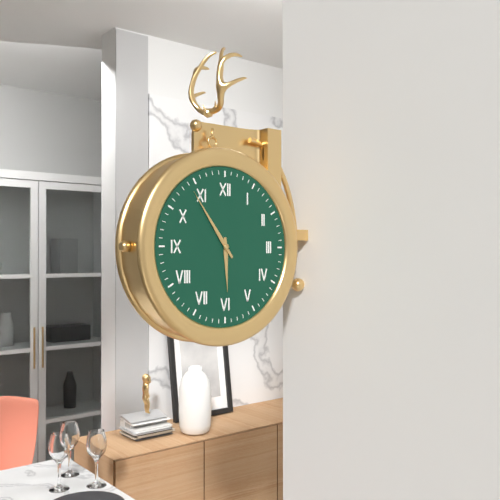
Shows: 5:54
